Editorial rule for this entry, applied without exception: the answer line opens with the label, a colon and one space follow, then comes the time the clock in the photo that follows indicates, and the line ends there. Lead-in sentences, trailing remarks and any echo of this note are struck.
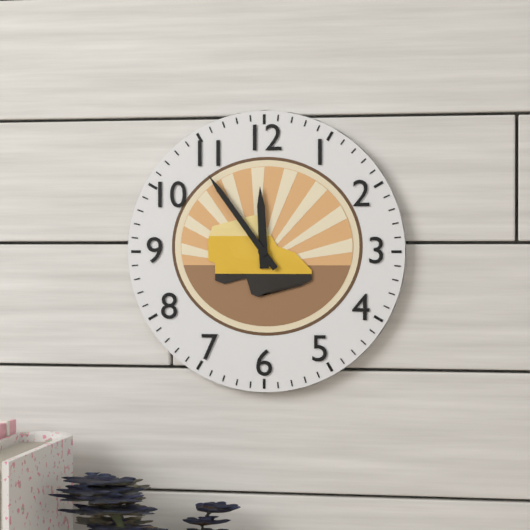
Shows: 11:54
